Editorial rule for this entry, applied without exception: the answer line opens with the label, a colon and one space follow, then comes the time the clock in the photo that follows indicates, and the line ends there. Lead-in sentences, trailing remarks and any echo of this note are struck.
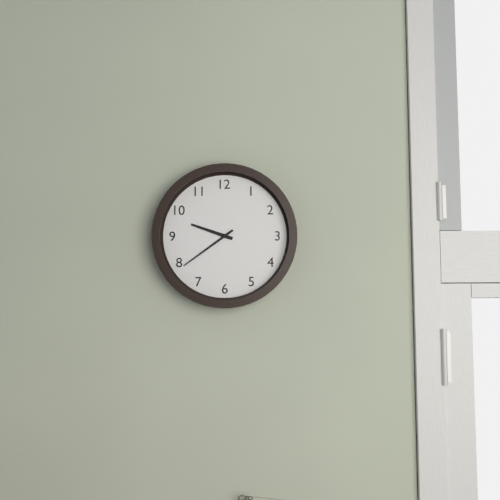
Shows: 9:39
